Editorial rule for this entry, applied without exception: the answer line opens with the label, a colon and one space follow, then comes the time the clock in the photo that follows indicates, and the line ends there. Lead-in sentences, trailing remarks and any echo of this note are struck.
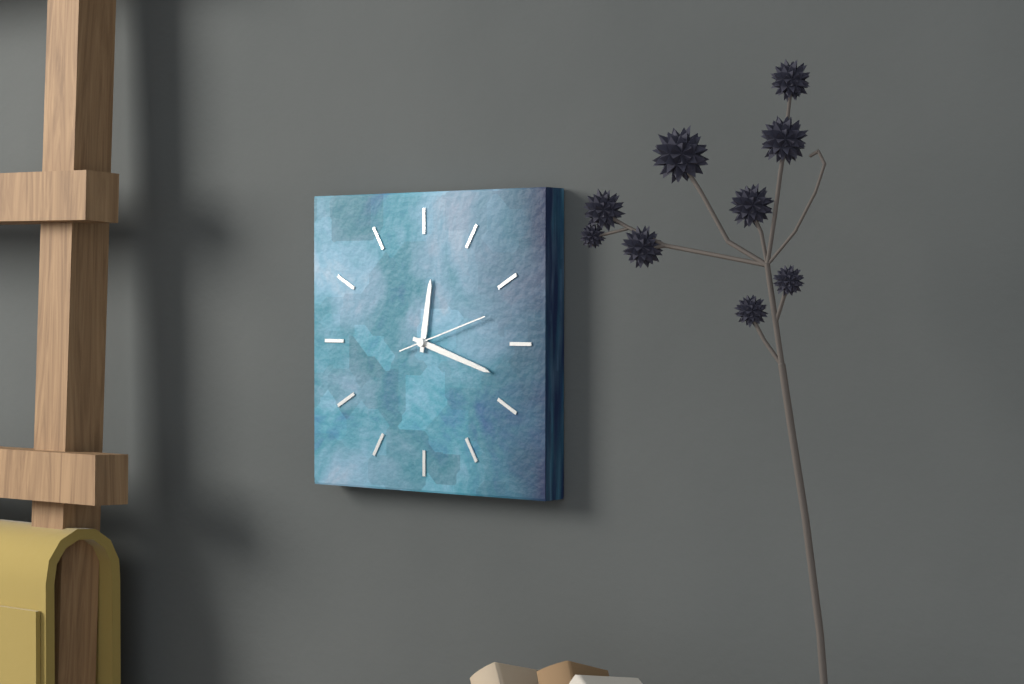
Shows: 12:18:12
